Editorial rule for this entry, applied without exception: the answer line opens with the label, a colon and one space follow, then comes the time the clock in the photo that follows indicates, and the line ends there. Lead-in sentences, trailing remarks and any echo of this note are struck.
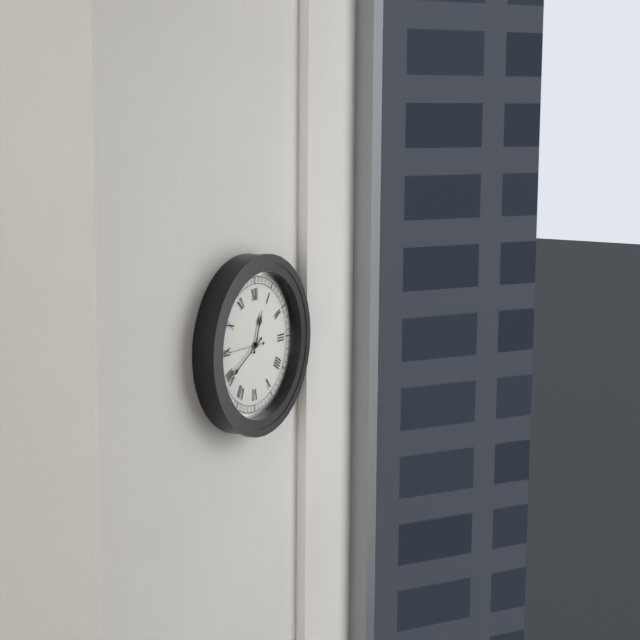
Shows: 12:40
